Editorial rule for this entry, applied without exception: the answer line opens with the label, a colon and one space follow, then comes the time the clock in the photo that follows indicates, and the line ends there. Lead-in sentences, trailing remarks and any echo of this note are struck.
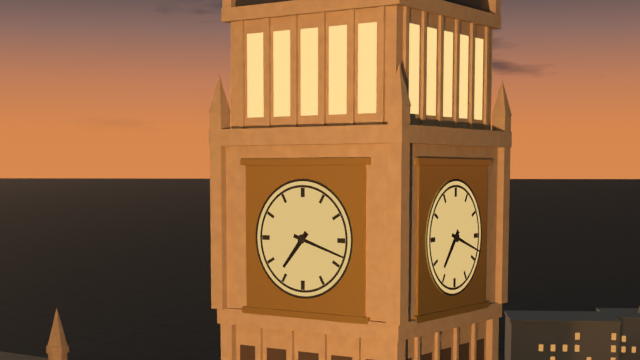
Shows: 7:18
